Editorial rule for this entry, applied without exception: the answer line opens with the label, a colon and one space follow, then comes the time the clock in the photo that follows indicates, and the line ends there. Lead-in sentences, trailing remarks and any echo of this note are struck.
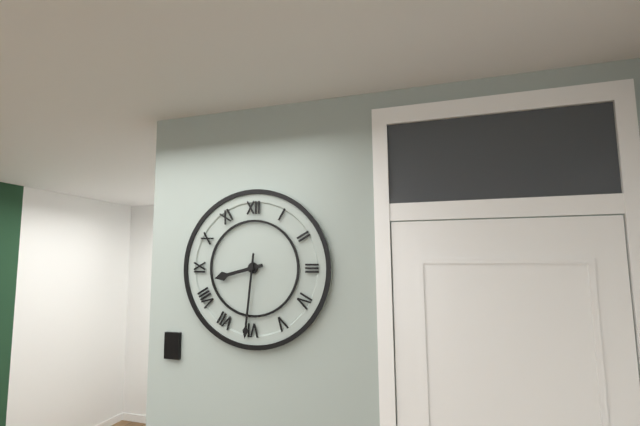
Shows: 8:31
